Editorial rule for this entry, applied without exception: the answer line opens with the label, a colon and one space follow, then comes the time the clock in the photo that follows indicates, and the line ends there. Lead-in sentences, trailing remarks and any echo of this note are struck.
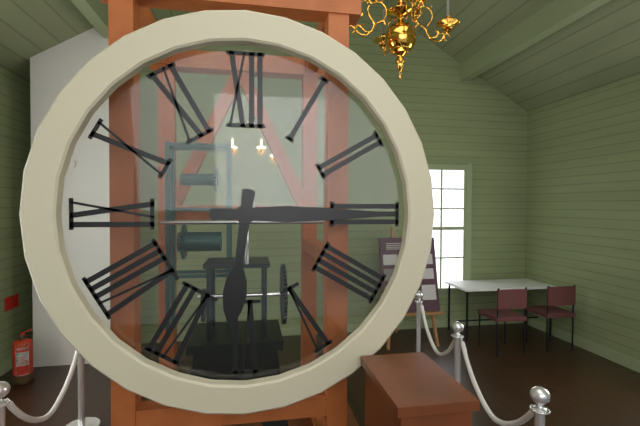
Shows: 6:15
